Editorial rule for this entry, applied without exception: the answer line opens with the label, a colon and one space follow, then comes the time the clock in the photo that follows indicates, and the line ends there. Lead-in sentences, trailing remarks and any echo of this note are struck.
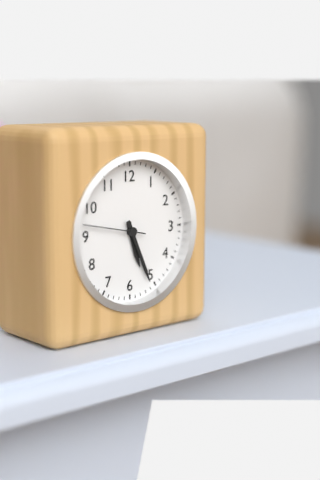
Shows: 5:26:47
